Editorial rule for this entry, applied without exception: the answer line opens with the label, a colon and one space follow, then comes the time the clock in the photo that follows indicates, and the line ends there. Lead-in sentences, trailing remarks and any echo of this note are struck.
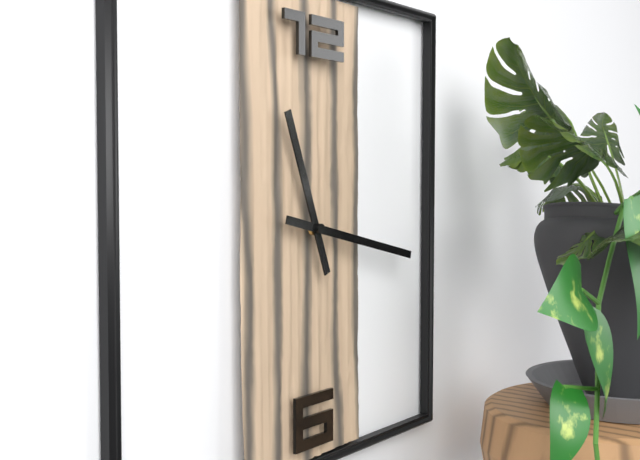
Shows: 11:17
